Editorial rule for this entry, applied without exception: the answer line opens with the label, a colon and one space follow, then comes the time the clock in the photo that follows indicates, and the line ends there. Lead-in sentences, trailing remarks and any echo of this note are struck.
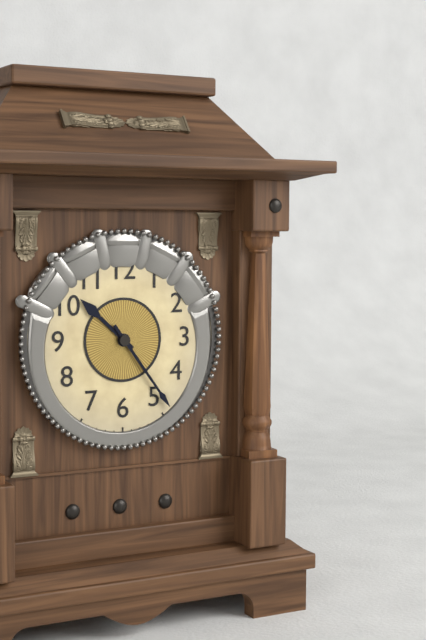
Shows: 10:24
